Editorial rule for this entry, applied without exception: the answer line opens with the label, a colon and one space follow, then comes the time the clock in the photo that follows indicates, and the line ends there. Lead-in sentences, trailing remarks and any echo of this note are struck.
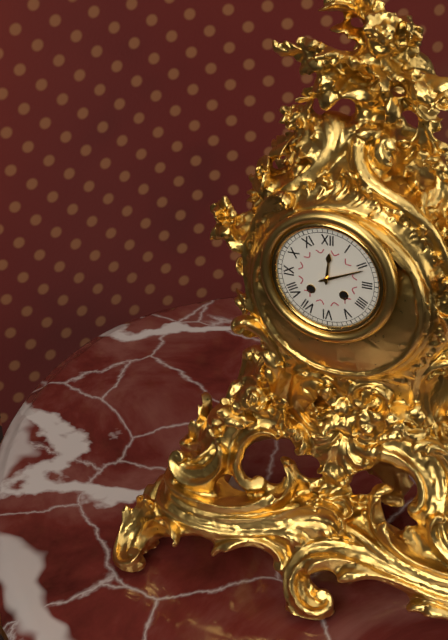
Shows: 12:11
